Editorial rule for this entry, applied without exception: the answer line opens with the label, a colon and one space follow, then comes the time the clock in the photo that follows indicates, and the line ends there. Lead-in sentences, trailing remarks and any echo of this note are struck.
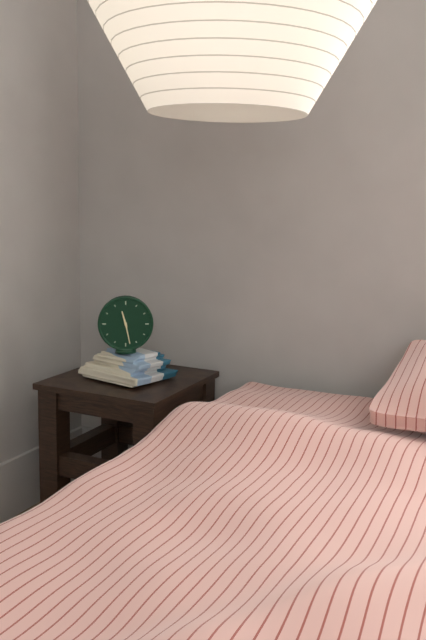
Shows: 11:28
